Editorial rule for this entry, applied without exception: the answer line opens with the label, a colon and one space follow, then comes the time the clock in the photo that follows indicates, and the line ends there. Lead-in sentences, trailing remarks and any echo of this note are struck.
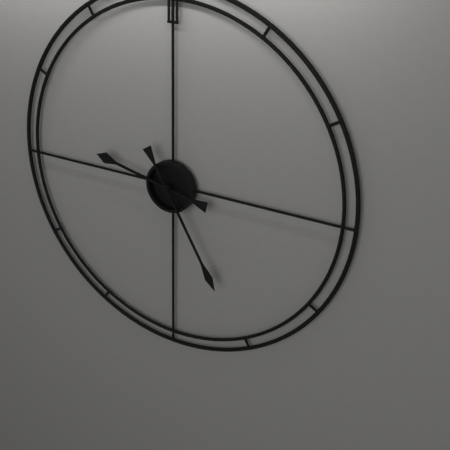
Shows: 9:25
